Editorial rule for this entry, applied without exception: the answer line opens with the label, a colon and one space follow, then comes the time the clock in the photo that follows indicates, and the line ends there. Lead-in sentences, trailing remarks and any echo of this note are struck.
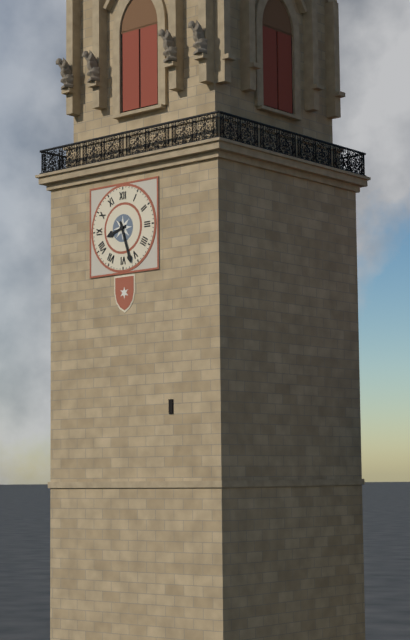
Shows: 8:27
